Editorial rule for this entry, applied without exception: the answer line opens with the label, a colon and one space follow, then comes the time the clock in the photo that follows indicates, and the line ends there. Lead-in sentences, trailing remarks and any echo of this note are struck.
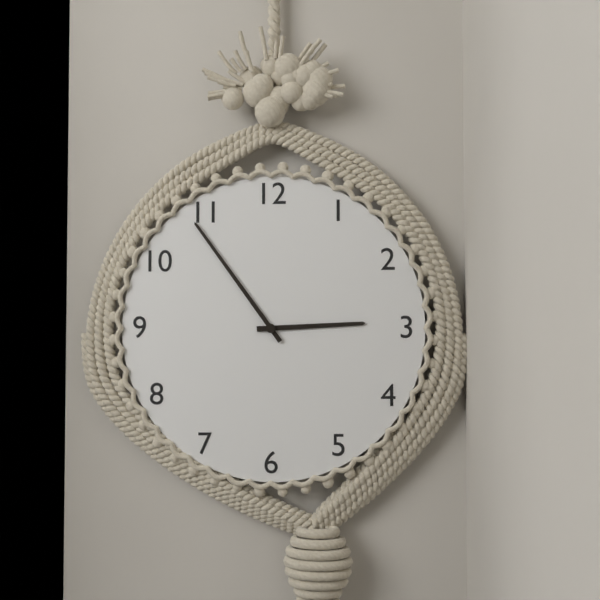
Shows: 2:54
